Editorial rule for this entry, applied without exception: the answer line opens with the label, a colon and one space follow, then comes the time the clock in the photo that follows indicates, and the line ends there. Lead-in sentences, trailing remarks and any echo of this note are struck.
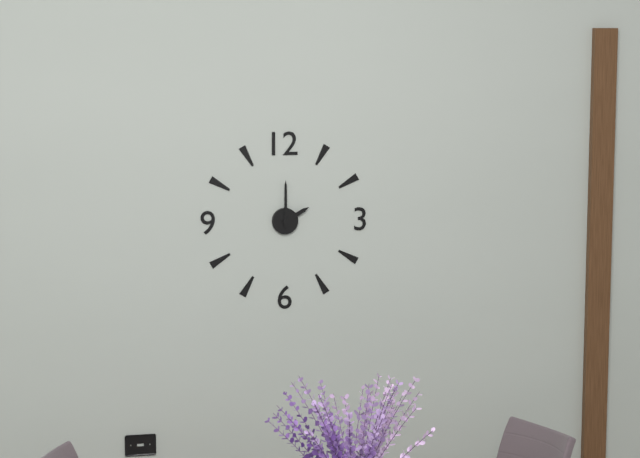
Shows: 2:00
